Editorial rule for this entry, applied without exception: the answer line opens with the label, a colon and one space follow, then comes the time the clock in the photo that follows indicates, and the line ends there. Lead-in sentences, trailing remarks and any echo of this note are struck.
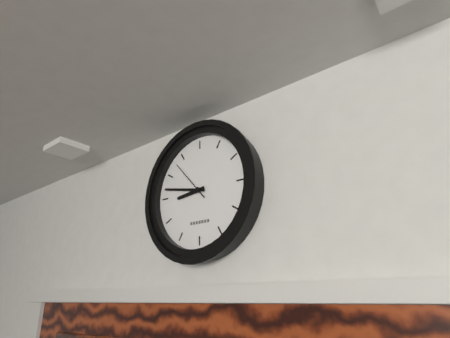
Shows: 8:47
